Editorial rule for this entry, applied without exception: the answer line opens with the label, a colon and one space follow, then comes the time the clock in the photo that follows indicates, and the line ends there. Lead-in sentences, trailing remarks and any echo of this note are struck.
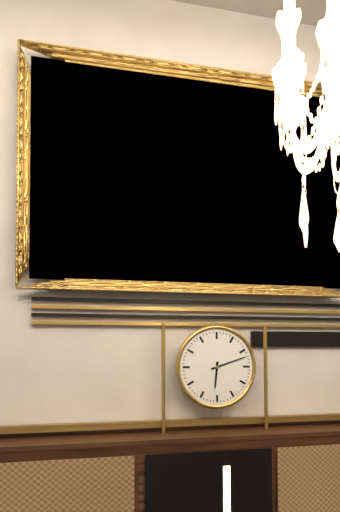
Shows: 6:12
